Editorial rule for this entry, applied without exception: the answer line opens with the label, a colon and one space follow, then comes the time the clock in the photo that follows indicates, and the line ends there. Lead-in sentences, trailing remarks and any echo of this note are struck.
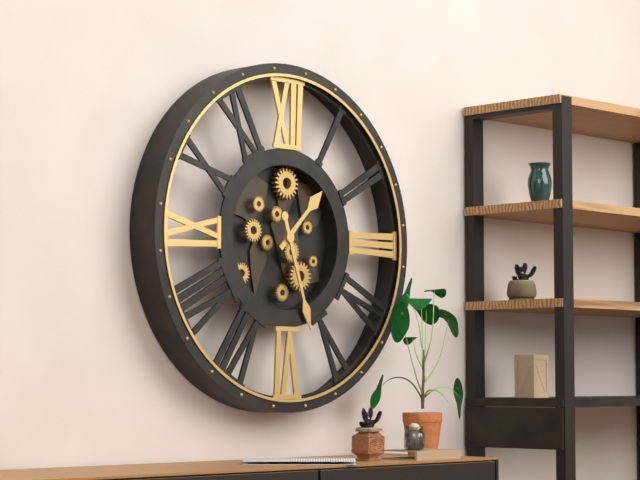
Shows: 1:27
